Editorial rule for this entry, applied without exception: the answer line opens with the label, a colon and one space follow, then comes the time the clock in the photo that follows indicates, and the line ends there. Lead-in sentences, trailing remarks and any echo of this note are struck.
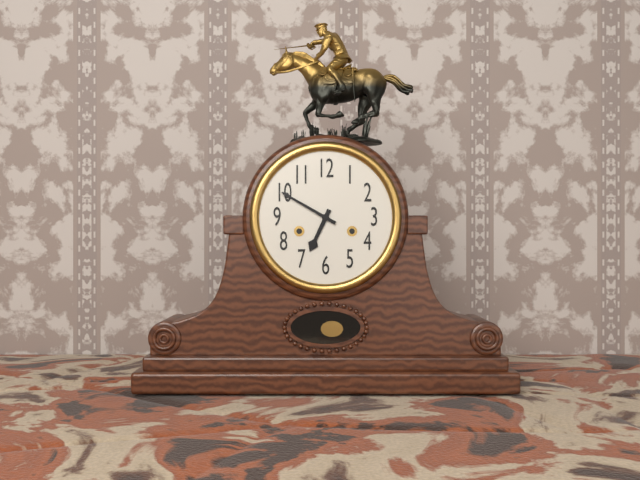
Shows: 6:50
